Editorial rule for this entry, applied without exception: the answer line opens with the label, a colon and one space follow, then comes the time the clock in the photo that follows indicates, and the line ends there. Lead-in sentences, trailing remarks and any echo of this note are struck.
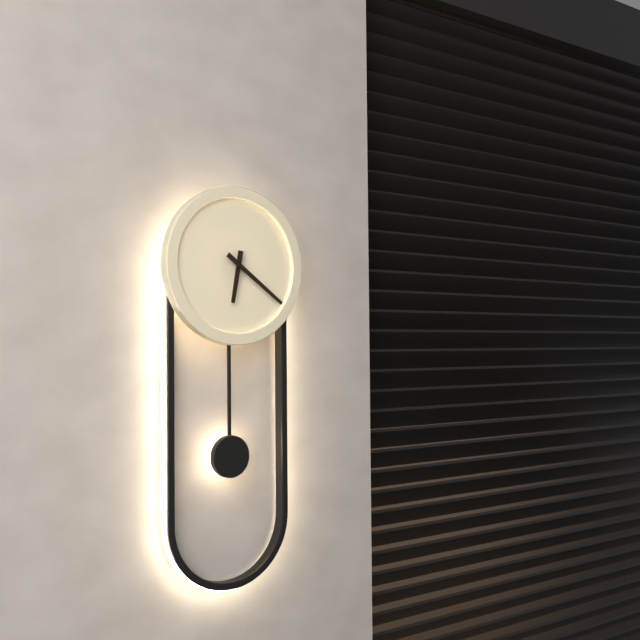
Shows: 6:21
